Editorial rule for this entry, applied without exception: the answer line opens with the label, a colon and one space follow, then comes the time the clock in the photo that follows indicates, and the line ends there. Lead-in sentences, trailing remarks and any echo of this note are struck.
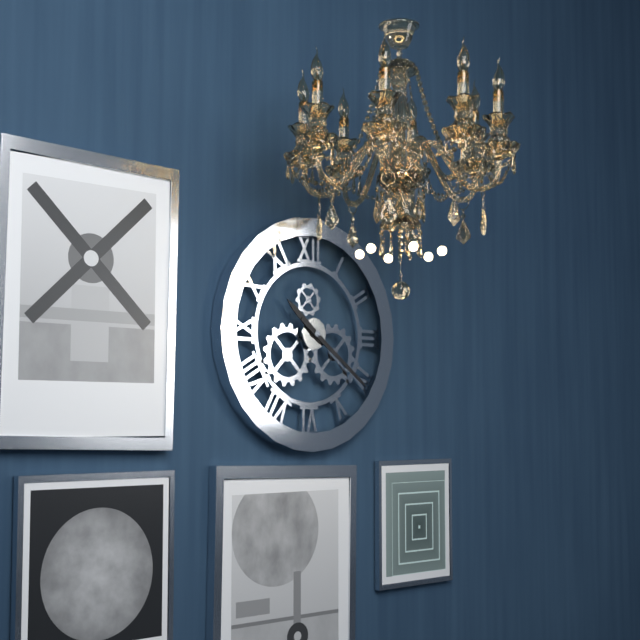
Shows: 10:21
